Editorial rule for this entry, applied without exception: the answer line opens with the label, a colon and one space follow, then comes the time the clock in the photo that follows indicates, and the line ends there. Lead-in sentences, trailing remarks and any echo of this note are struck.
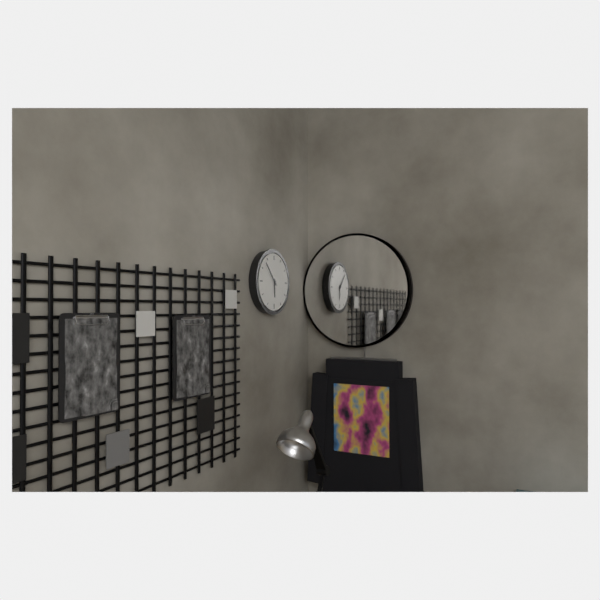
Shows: 5:53
